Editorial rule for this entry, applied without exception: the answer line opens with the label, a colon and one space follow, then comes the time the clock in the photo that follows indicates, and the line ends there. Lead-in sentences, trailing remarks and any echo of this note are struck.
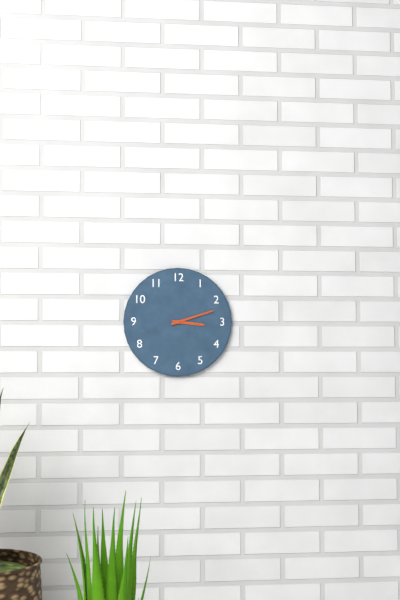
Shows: 3:12
